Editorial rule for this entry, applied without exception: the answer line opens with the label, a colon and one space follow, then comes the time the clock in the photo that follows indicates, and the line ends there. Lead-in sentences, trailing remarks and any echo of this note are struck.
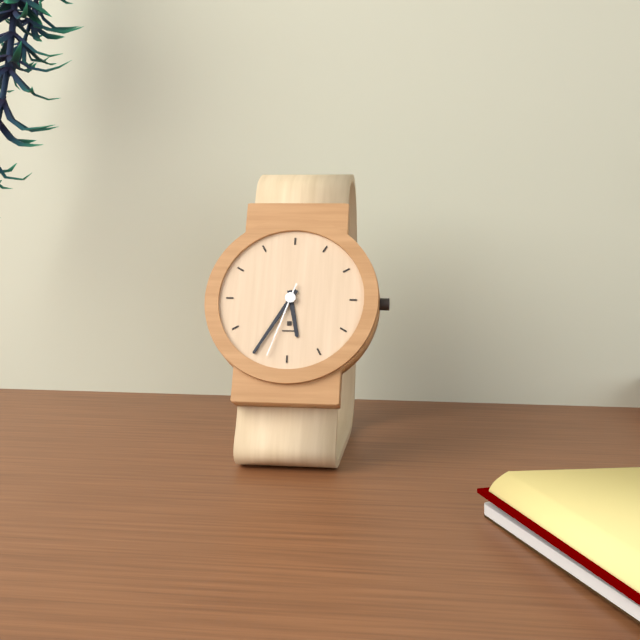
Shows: 5:35:33
